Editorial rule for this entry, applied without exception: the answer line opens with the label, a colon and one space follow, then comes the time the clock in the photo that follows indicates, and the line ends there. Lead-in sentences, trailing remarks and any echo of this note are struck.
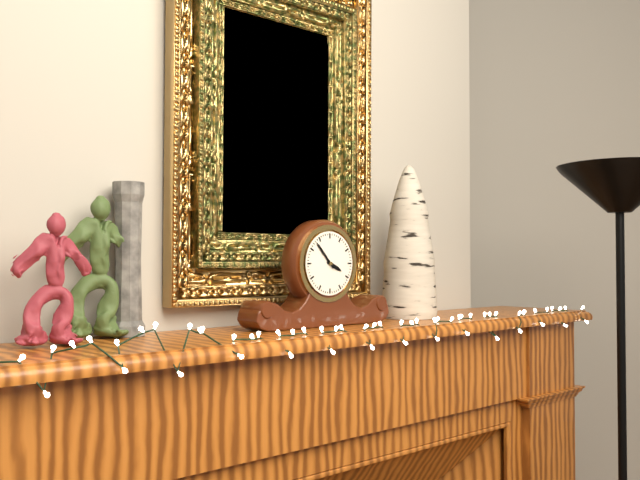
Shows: 3:53
